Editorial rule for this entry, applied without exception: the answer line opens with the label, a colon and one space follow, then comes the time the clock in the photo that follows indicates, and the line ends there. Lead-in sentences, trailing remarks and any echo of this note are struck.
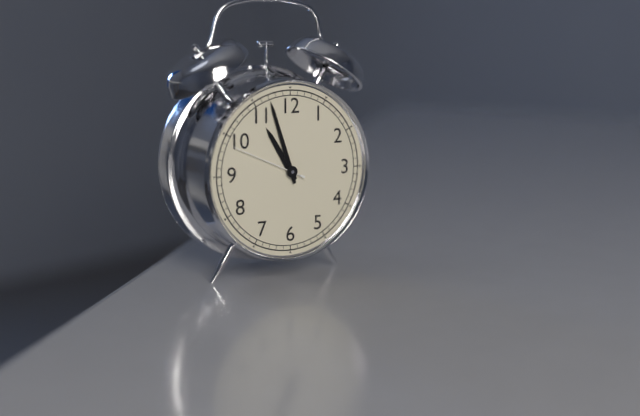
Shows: 10:57:49
